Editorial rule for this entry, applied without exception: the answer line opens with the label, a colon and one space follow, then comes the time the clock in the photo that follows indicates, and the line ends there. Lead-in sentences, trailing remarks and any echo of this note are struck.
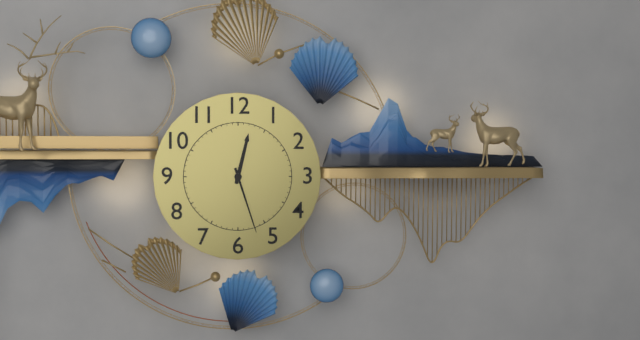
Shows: 12:27
